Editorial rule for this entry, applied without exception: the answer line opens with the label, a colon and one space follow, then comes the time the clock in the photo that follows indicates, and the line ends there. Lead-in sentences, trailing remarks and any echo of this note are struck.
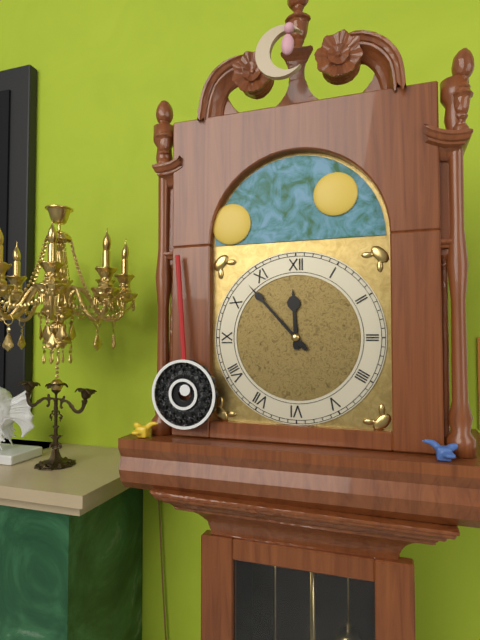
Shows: 11:53
